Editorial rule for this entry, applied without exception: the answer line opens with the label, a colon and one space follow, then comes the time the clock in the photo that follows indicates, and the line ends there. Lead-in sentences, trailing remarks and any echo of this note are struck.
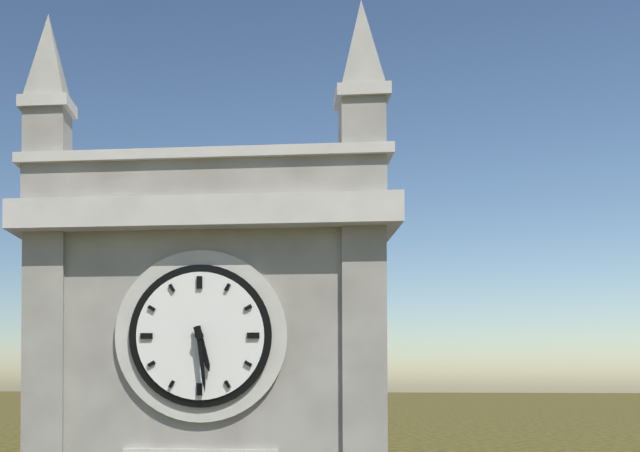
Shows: 5:29
